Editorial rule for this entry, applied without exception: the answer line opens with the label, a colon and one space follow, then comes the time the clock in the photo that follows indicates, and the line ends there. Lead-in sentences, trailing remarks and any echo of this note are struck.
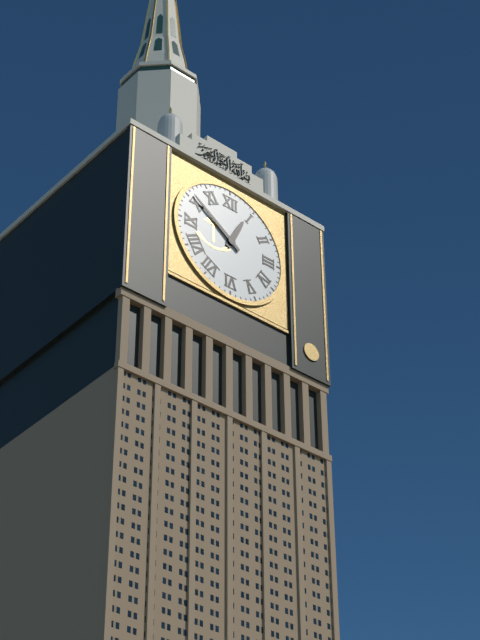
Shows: 12:51
